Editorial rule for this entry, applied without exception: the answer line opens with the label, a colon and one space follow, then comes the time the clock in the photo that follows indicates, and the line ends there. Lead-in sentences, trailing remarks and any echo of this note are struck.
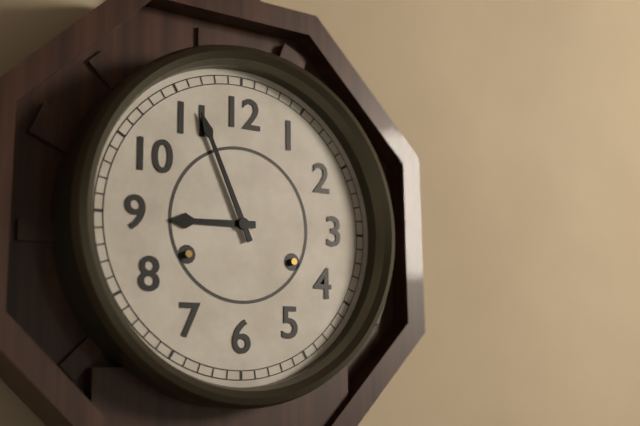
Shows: 8:56
